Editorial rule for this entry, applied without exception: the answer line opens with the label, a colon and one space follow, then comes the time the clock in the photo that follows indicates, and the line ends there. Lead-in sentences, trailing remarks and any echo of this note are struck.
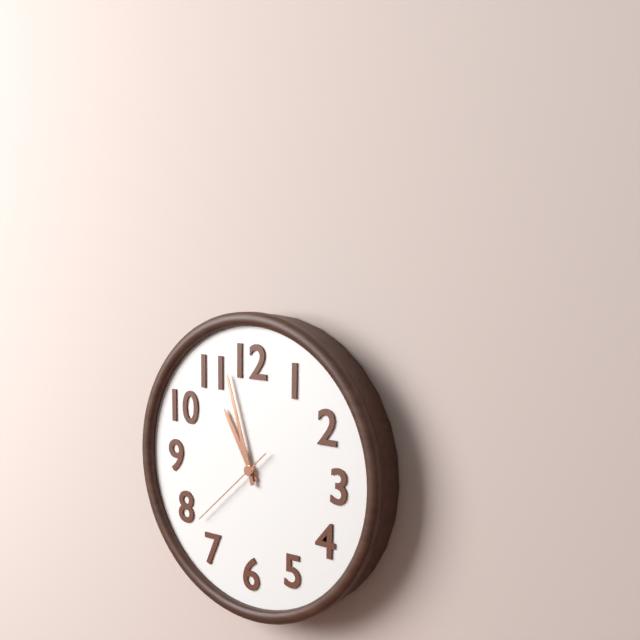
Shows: 10:57:38
